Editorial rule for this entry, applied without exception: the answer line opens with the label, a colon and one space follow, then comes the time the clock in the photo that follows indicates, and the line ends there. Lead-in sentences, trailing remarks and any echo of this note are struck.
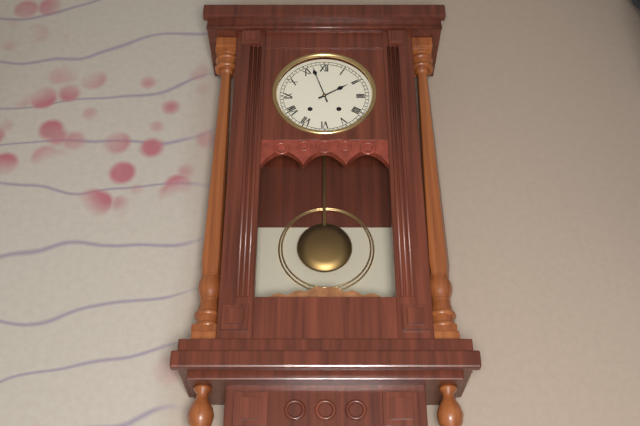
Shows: 1:57
